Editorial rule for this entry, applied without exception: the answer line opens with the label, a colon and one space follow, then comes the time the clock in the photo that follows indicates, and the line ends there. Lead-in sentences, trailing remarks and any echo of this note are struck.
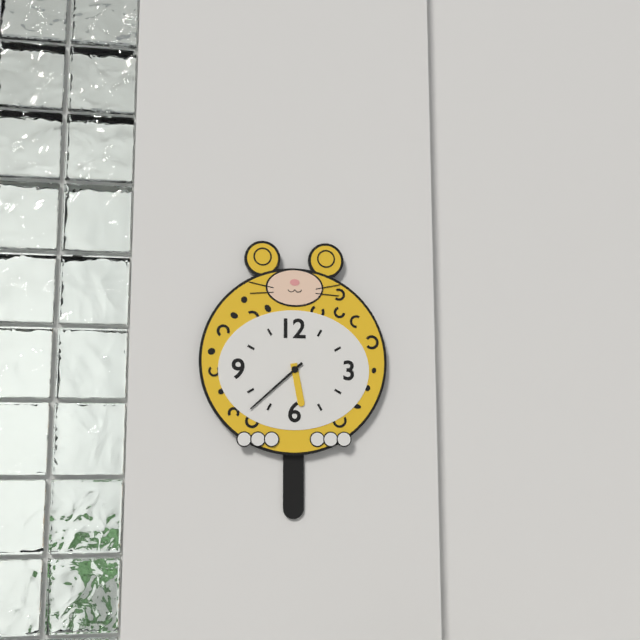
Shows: 5:38
